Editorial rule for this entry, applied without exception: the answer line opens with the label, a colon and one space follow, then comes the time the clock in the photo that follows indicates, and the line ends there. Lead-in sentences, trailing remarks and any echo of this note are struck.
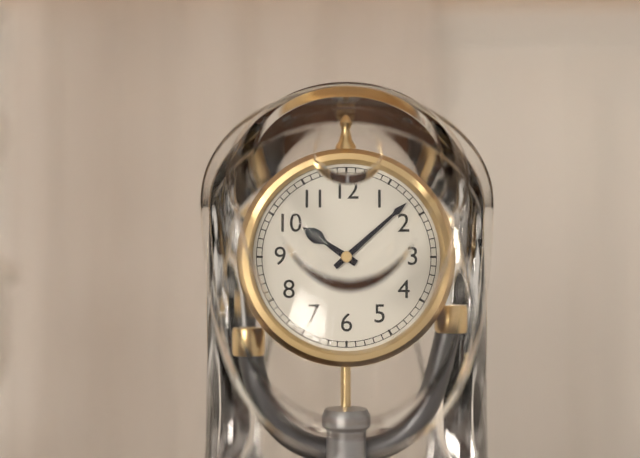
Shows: 10:08
